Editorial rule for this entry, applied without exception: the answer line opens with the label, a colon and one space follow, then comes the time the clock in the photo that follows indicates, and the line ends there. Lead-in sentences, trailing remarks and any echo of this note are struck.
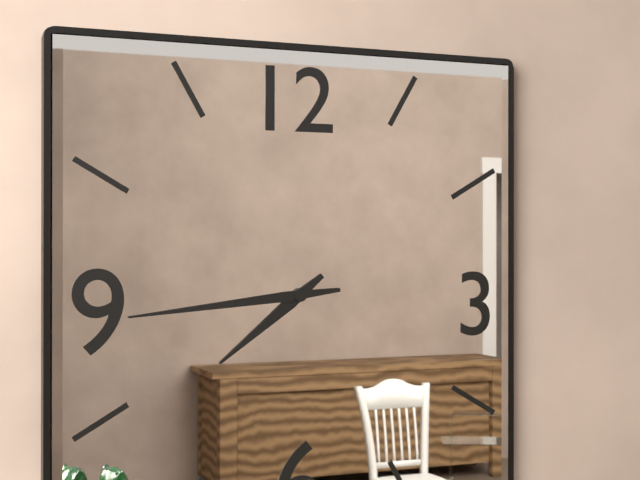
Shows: 7:44
